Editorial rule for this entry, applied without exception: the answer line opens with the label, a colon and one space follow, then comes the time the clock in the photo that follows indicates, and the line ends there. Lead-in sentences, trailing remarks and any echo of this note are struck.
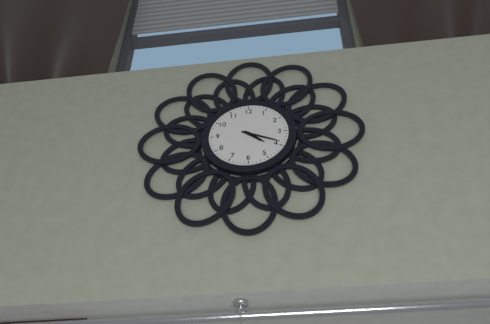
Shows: 4:19
